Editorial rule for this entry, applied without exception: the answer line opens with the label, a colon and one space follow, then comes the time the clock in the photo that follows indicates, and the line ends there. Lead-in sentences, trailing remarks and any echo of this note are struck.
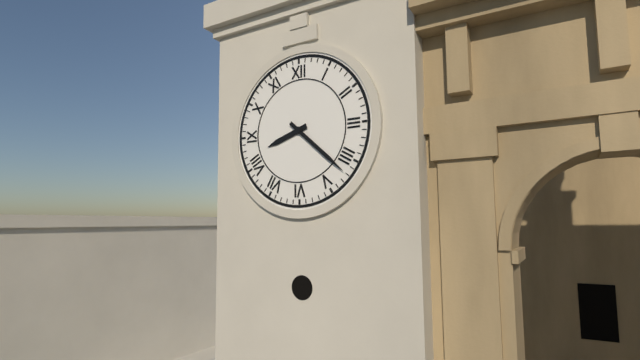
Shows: 8:22
